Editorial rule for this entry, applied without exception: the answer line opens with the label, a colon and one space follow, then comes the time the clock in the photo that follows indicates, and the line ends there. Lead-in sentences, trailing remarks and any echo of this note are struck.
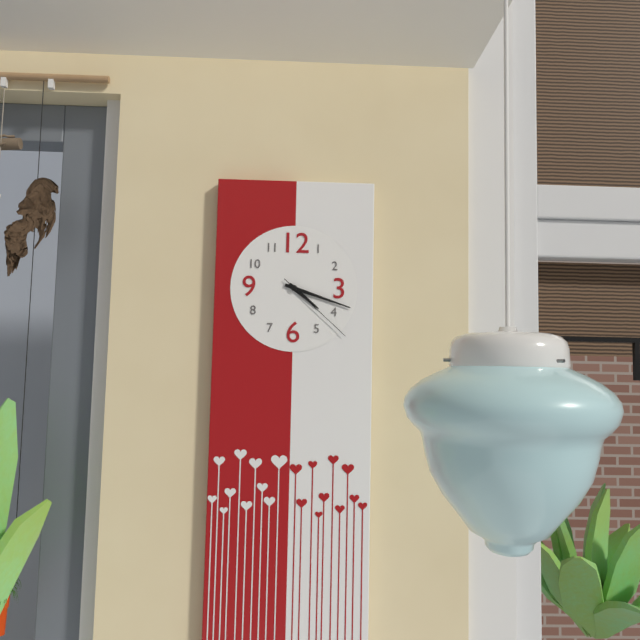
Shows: 4:18:22
